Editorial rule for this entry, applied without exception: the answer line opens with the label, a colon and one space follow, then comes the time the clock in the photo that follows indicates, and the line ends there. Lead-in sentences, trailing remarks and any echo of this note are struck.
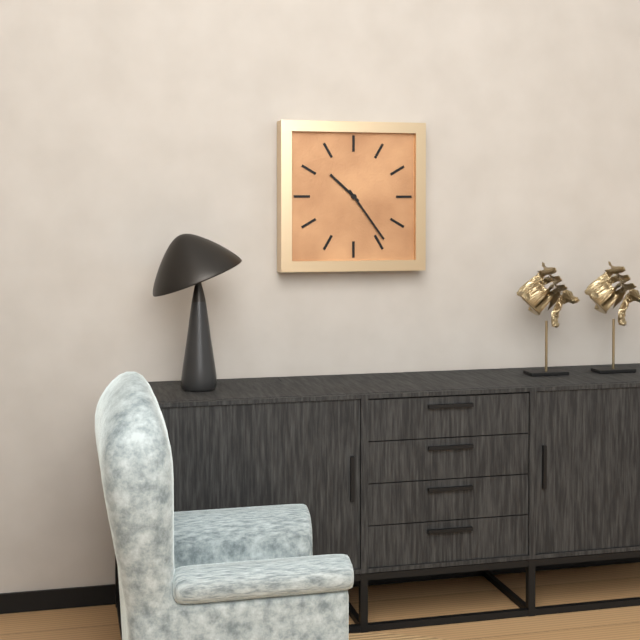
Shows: 10:24
